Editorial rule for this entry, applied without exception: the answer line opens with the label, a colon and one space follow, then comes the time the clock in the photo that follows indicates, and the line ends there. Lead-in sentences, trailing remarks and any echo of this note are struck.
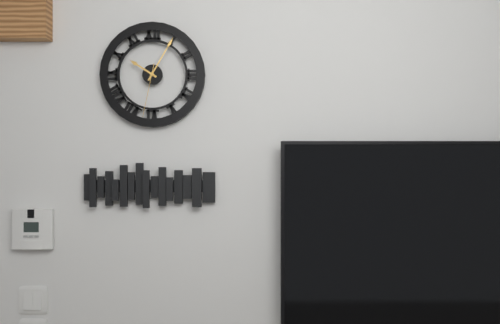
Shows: 10:05:32
